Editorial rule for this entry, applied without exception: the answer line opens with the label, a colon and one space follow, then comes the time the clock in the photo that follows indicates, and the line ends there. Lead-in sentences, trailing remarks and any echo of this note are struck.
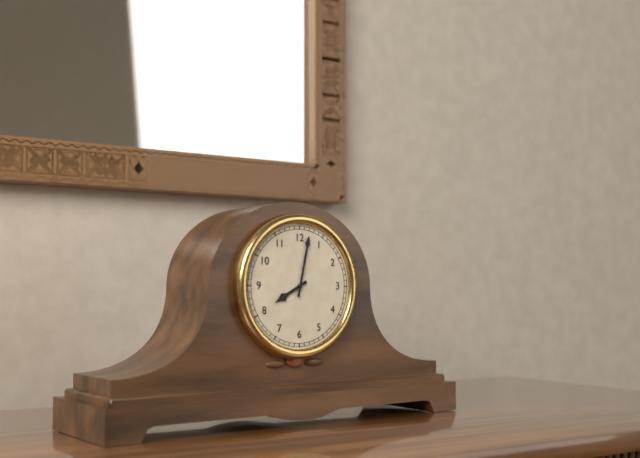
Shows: 8:02
